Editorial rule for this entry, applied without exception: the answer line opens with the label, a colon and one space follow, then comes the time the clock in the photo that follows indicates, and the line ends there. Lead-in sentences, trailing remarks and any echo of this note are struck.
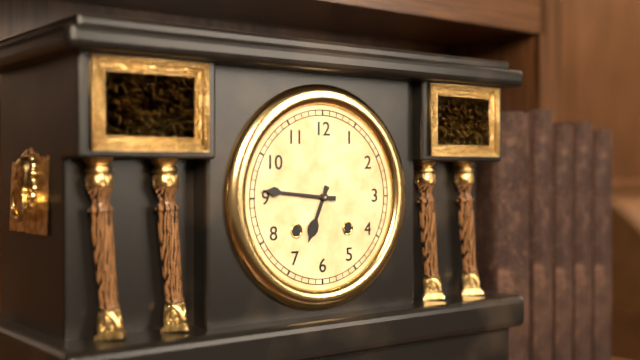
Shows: 6:46
